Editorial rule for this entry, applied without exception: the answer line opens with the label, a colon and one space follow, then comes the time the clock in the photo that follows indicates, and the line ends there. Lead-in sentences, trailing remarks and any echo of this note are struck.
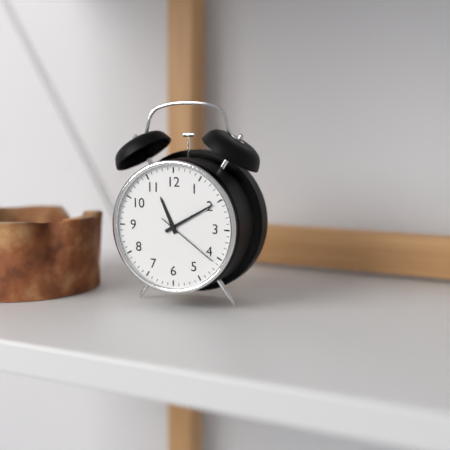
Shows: 11:10:21
